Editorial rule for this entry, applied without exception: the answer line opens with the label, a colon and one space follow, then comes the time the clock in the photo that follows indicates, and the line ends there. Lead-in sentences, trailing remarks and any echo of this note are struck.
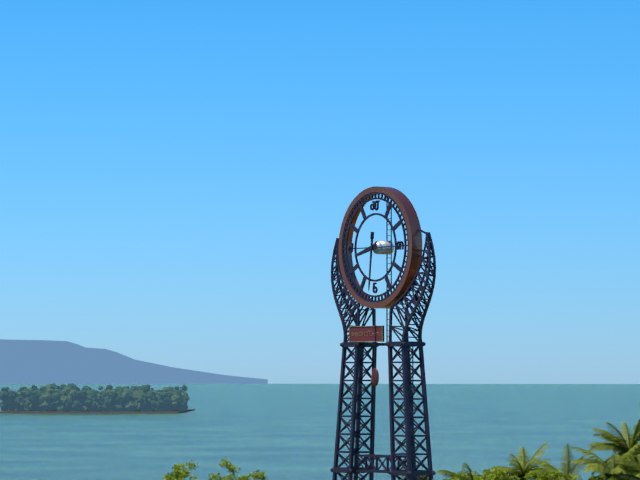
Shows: 8:31
